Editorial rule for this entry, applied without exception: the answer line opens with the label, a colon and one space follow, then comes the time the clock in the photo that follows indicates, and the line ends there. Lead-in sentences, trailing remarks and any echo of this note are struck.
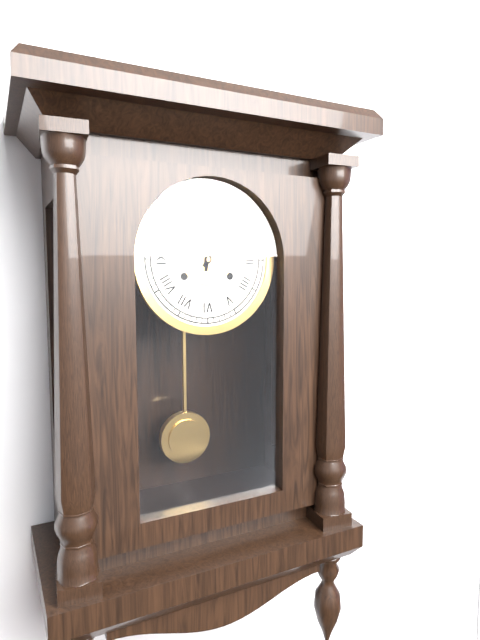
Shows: 1:02
